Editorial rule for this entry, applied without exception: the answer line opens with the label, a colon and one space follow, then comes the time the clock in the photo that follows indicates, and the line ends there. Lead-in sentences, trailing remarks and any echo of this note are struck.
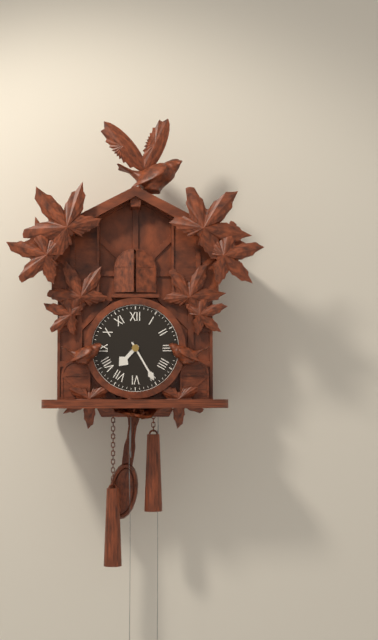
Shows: 7:25
